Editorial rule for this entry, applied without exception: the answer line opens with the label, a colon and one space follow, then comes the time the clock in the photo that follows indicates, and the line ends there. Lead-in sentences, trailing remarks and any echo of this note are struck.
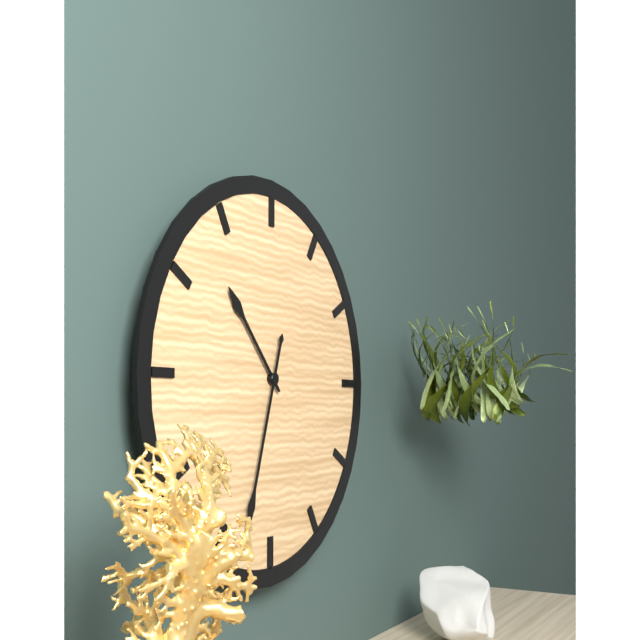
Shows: 10:33
